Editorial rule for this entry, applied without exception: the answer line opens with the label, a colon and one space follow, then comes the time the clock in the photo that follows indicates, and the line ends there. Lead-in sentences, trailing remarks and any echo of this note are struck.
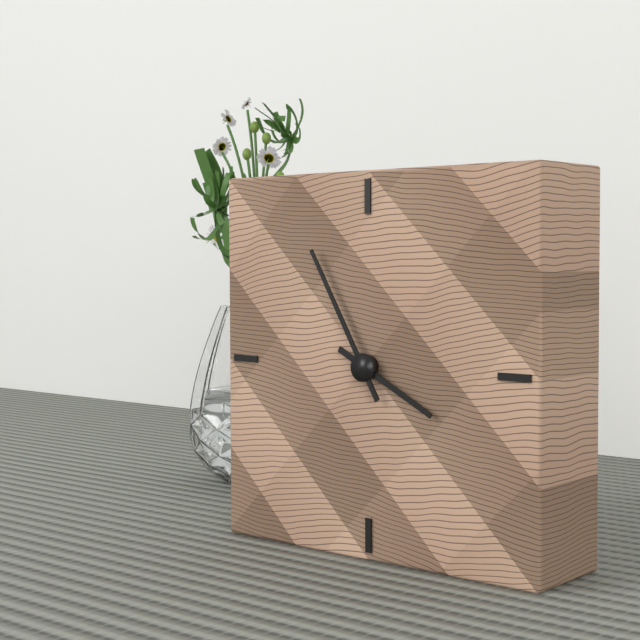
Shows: 3:55
